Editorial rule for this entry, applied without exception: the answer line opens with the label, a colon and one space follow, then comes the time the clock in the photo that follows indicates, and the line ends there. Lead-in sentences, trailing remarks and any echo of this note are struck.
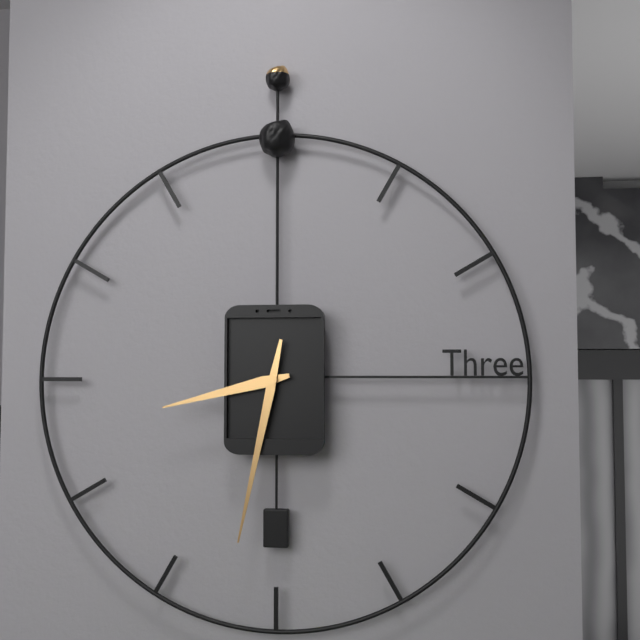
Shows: 8:32
